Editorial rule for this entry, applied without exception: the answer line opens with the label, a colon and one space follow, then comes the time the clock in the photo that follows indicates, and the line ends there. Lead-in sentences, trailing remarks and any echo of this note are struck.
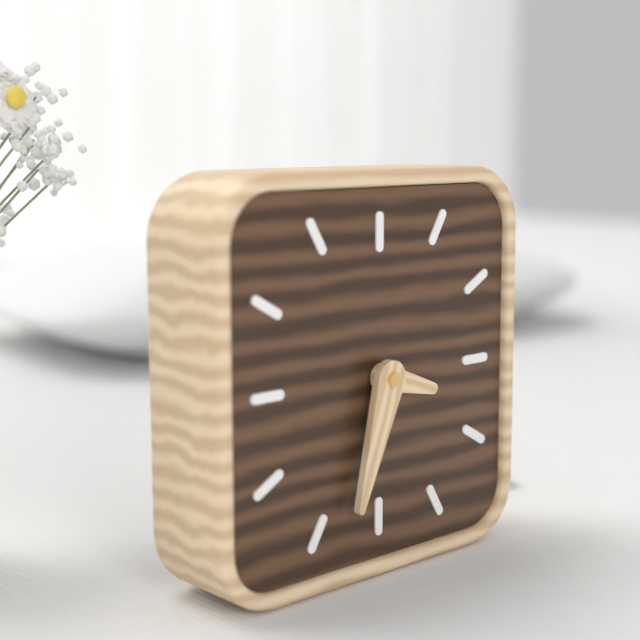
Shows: 3:33
